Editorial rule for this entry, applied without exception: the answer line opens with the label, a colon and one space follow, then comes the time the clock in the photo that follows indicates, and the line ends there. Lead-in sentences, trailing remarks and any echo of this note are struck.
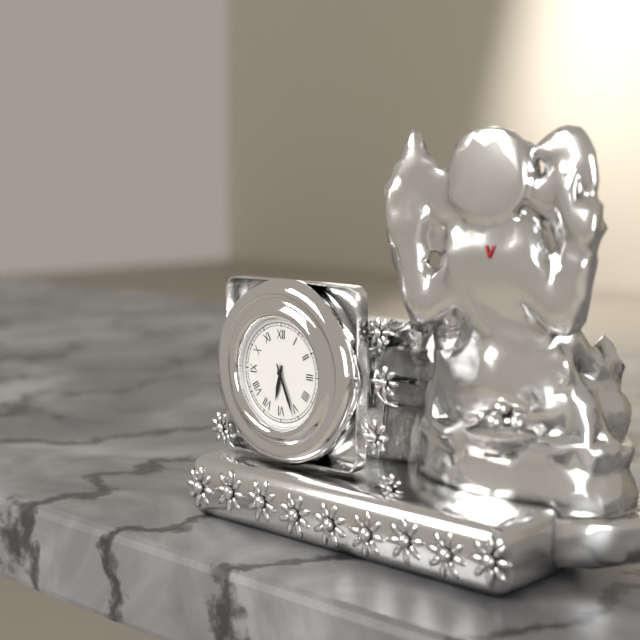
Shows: 6:26
